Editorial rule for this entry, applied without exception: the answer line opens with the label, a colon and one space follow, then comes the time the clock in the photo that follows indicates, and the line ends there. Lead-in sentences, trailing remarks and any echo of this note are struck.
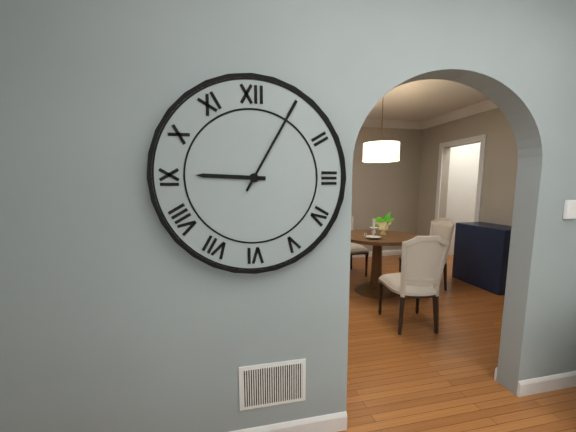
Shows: 9:05
